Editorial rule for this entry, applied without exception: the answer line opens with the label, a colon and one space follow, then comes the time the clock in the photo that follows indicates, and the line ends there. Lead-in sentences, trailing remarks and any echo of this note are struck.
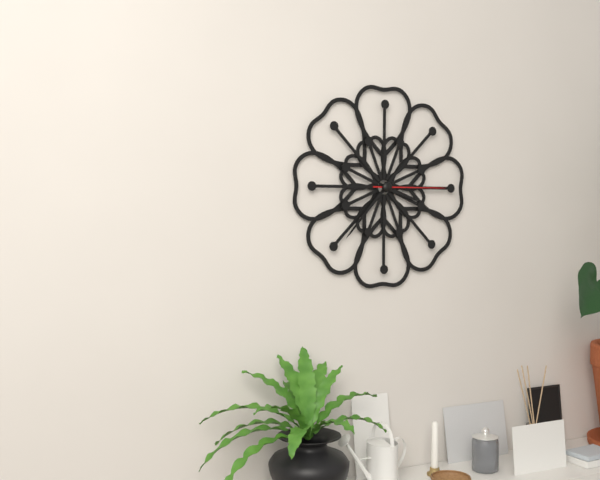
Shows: 3:37:15
